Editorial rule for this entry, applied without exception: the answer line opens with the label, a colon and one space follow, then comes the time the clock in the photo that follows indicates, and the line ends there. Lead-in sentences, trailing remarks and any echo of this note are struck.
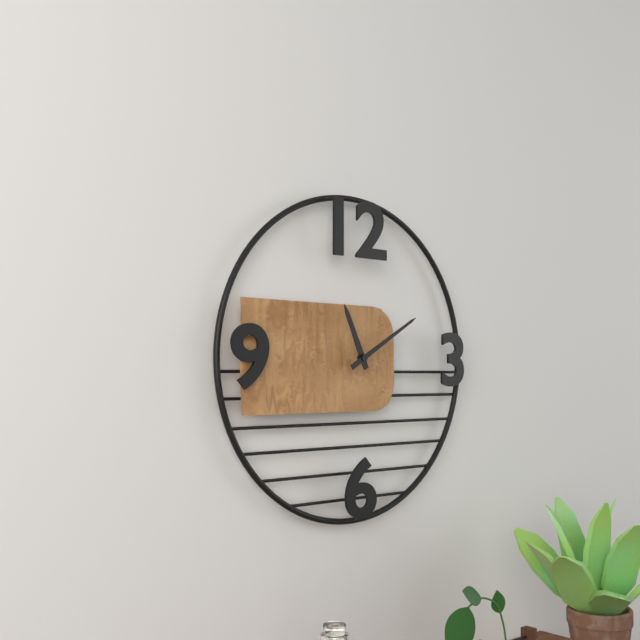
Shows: 11:10
